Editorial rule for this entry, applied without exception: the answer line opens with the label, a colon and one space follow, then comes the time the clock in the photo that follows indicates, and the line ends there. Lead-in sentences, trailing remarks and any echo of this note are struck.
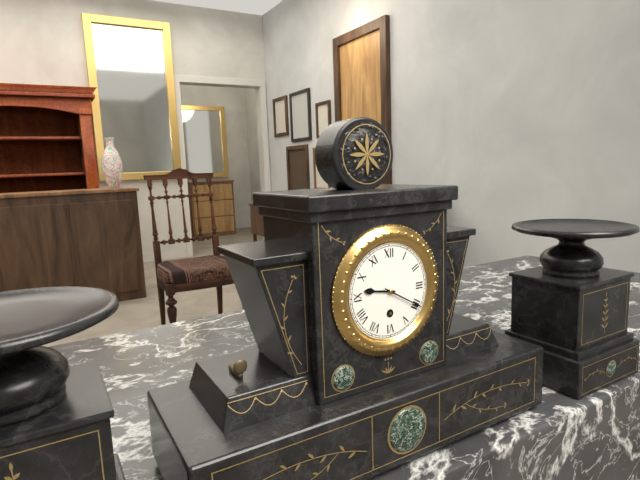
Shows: 9:20
